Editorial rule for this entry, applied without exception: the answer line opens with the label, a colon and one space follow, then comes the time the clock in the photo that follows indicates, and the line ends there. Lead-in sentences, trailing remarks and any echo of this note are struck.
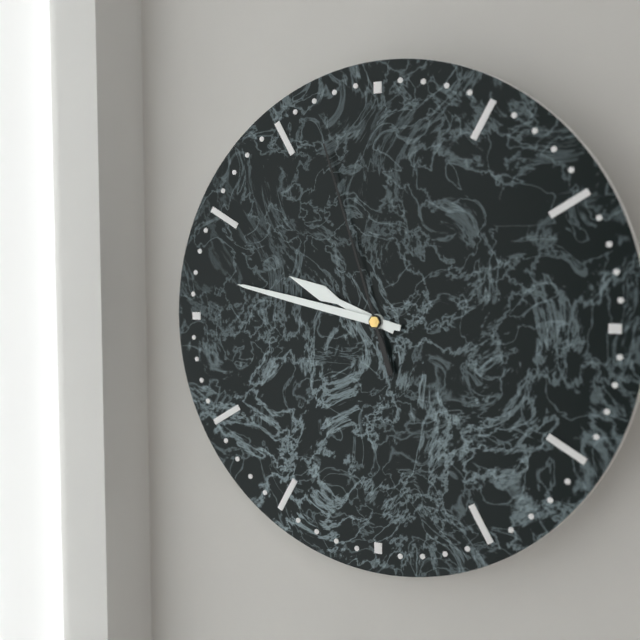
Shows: 9:47:57
